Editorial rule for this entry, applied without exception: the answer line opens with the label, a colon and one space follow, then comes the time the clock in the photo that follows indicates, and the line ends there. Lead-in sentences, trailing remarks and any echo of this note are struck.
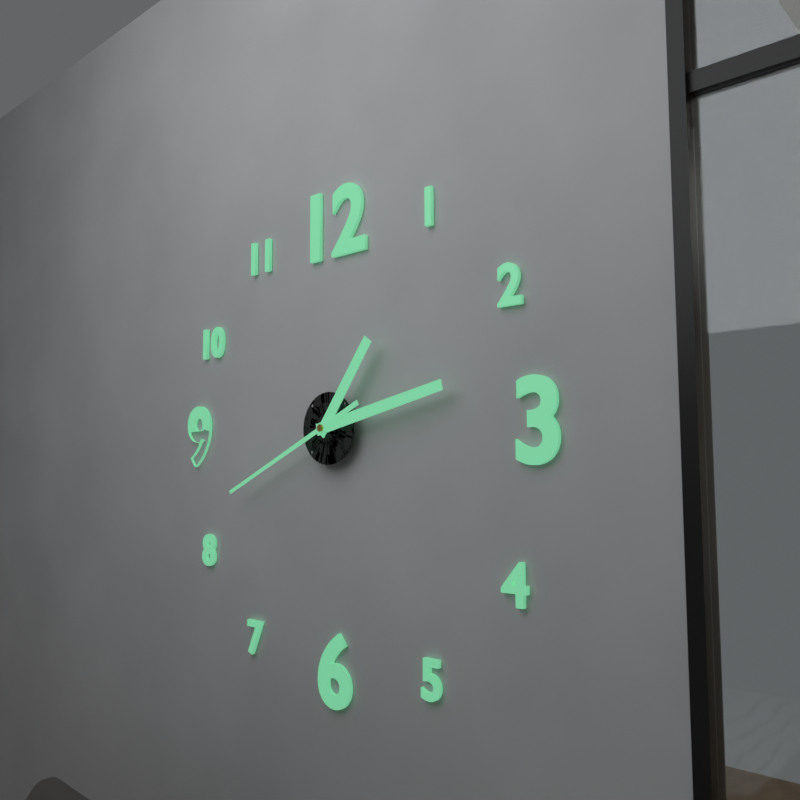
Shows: 1:13:41
